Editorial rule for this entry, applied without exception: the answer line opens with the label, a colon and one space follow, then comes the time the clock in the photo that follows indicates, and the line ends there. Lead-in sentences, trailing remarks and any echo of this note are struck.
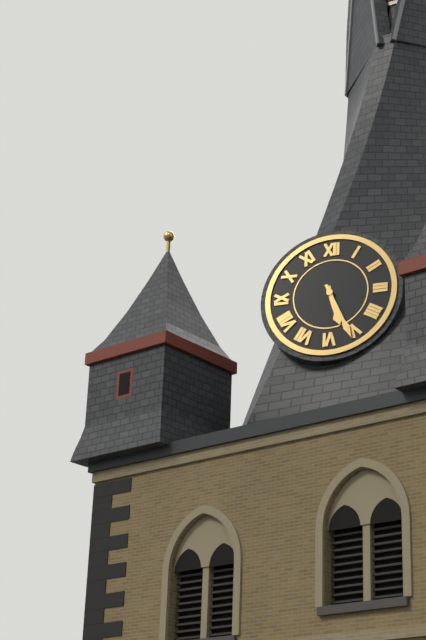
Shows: 5:26
